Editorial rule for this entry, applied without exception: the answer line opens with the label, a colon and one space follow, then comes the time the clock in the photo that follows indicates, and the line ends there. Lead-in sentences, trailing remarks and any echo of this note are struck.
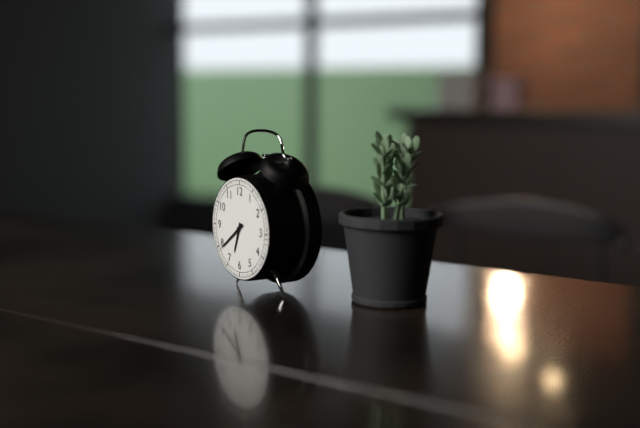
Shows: 6:39
